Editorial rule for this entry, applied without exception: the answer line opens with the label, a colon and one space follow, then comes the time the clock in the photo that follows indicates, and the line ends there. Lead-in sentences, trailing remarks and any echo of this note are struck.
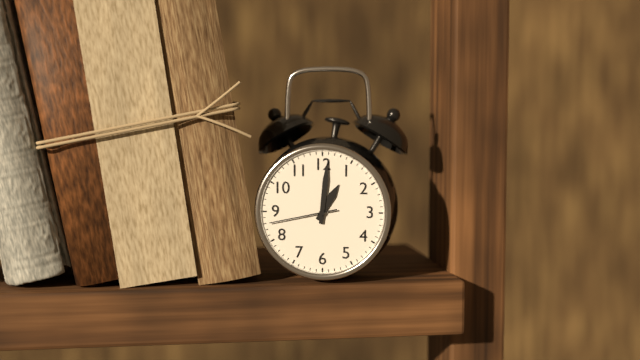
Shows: 1:01:43
